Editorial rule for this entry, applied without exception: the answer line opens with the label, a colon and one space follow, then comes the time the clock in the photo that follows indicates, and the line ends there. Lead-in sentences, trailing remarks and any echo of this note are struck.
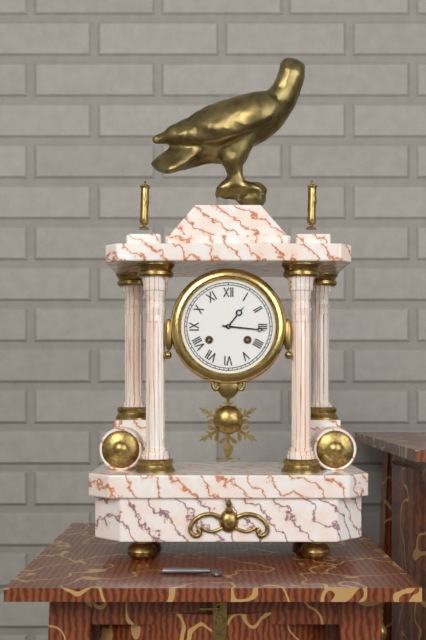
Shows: 1:16
